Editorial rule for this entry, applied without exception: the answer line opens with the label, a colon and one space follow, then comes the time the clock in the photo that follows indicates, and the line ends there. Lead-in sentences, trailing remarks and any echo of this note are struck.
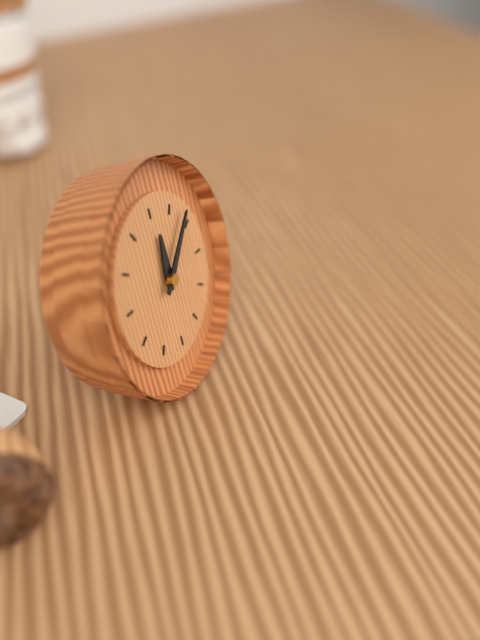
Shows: 12:08
